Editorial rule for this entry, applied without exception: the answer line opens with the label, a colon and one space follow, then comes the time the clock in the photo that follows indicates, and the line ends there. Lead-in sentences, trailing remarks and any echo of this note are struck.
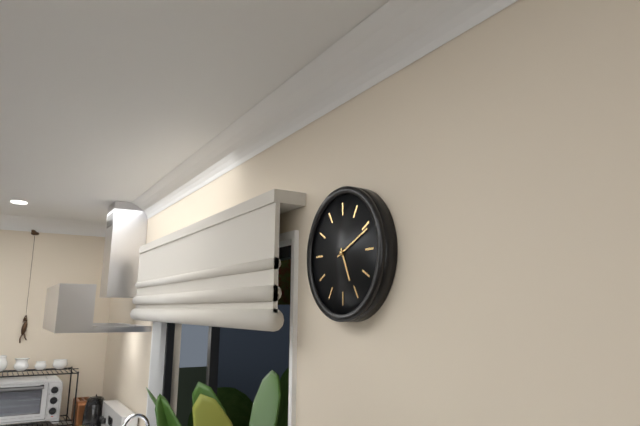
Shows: 5:11
